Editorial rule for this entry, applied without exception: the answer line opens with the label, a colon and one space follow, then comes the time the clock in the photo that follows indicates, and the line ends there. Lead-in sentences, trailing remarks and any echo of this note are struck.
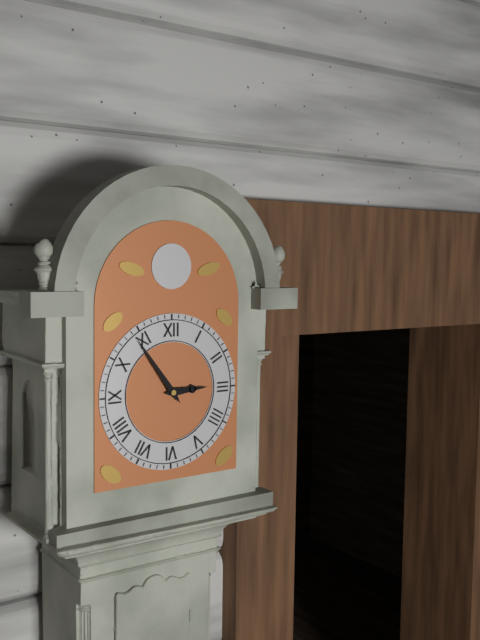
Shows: 2:54
